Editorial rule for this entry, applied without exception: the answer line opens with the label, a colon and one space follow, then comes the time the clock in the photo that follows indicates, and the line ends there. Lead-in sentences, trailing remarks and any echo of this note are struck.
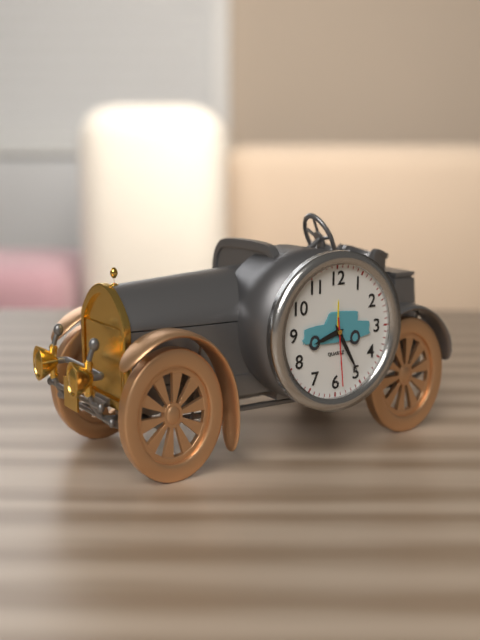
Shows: 8:25:29
